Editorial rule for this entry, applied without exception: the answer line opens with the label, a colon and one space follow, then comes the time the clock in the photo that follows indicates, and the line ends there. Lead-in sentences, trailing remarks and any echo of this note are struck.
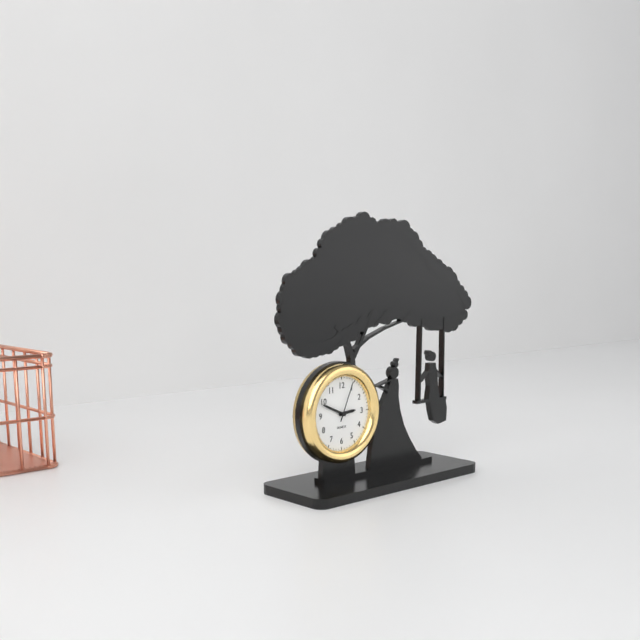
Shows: 2:49
